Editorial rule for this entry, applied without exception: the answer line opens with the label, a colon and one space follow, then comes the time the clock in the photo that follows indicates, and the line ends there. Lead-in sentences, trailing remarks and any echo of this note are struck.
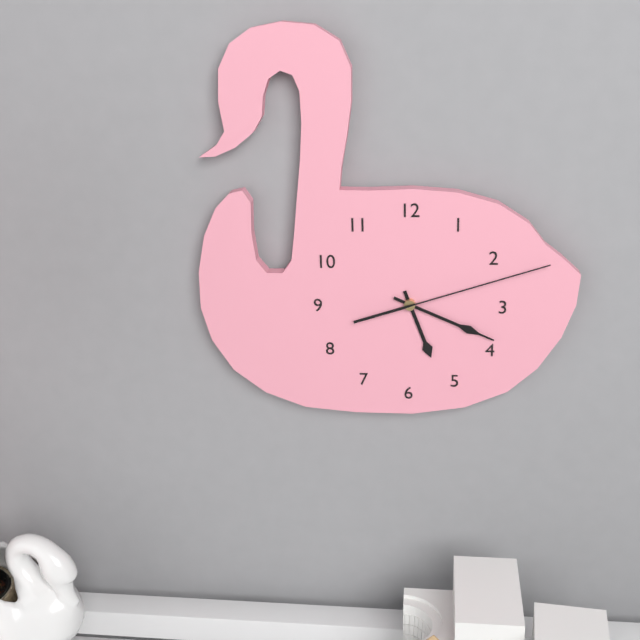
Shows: 5:19:12
